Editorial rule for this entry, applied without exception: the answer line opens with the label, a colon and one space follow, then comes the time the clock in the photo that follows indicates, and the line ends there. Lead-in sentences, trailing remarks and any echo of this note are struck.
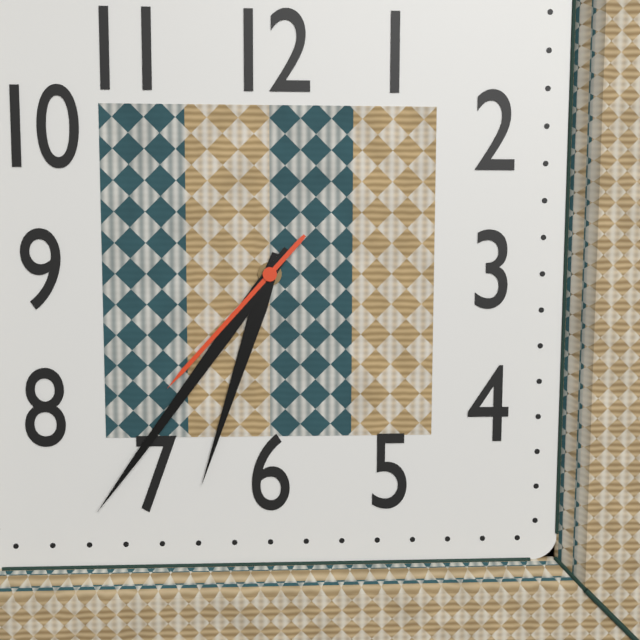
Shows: 6:36:37
